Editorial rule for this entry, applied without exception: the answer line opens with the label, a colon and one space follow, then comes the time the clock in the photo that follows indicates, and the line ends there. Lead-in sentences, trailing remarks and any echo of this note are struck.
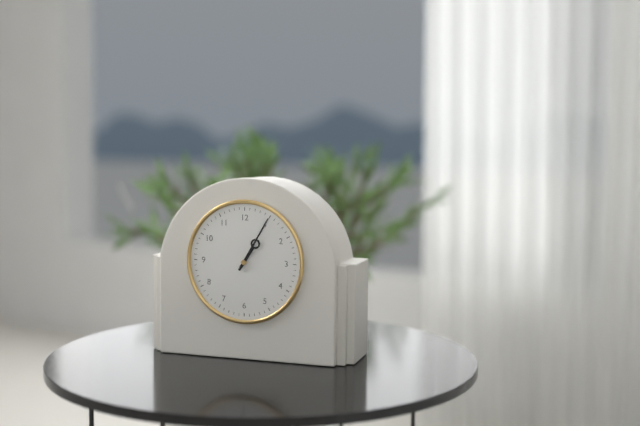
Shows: 1:05
